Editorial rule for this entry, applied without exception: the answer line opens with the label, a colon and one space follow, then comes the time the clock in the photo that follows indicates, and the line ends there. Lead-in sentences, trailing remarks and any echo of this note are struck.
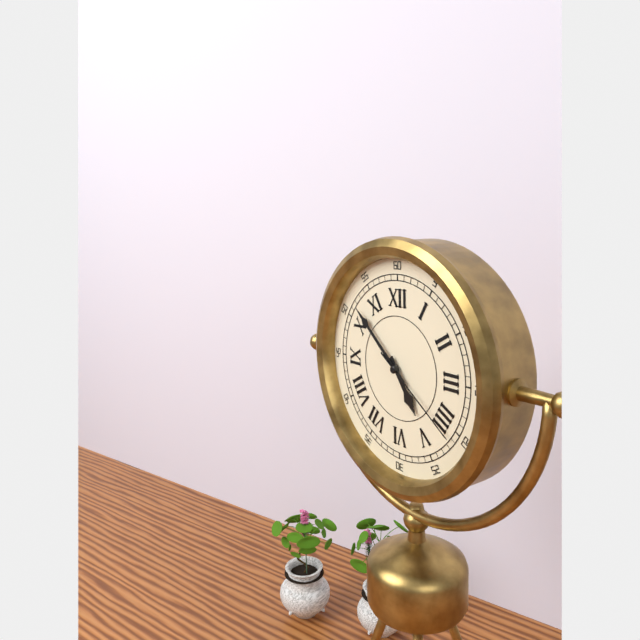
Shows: 4:52:21
